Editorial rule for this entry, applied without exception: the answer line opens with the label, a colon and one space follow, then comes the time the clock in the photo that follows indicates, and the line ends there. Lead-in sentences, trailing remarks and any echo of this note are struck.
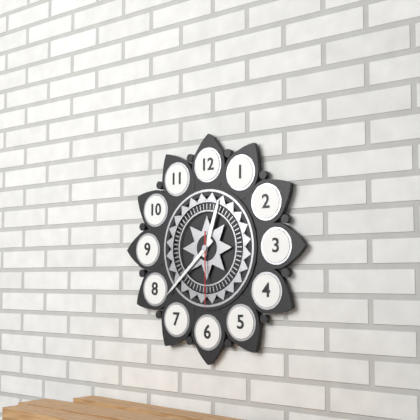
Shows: 12:38:30
